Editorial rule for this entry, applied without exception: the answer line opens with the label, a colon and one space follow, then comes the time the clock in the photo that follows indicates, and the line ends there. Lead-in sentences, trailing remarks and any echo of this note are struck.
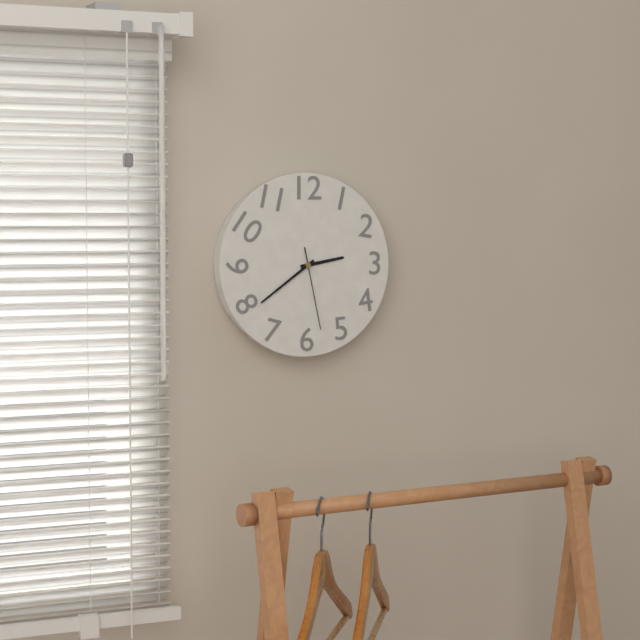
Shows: 2:39:28
